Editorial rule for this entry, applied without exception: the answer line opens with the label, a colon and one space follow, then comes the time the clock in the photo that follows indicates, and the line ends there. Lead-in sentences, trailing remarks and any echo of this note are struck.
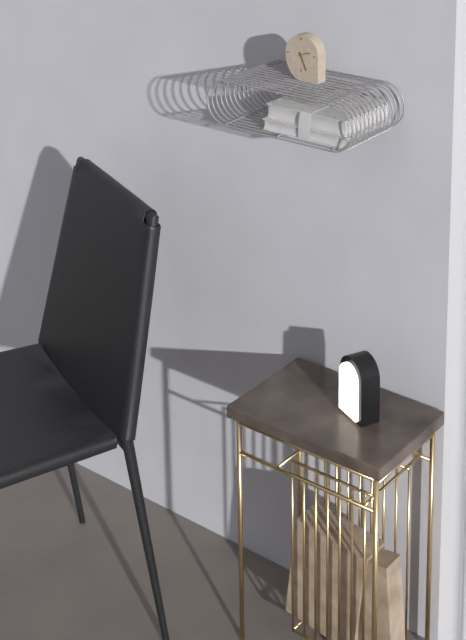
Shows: 2:26
